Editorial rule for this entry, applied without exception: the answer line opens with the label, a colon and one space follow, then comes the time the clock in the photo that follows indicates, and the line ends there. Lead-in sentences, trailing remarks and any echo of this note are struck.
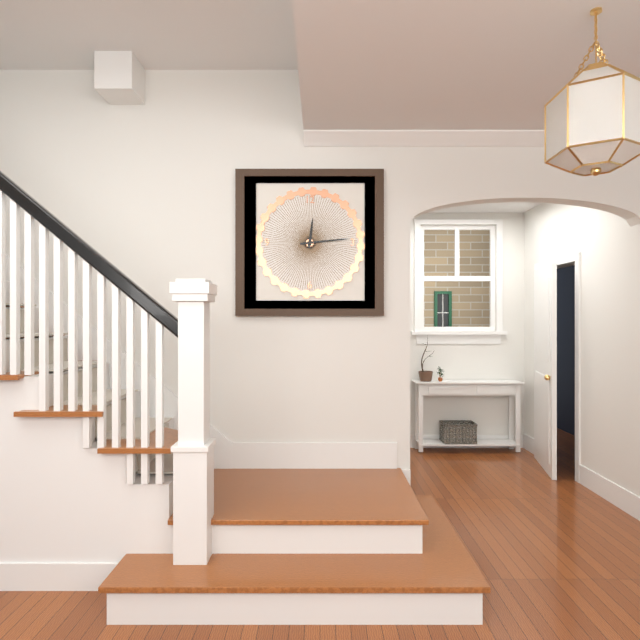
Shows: 12:14
